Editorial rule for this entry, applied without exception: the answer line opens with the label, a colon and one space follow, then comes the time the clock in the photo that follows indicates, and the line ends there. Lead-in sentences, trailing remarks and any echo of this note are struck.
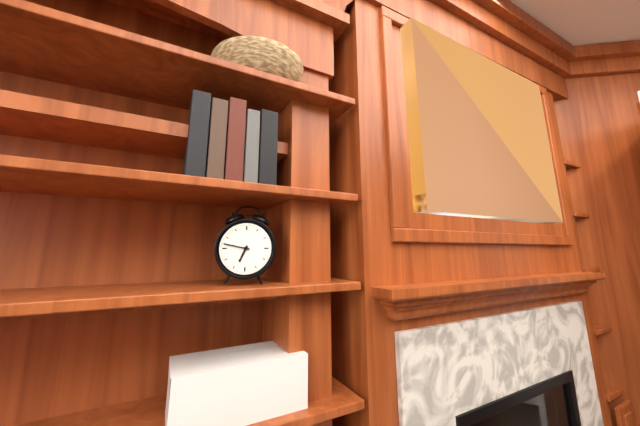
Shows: 6:47
